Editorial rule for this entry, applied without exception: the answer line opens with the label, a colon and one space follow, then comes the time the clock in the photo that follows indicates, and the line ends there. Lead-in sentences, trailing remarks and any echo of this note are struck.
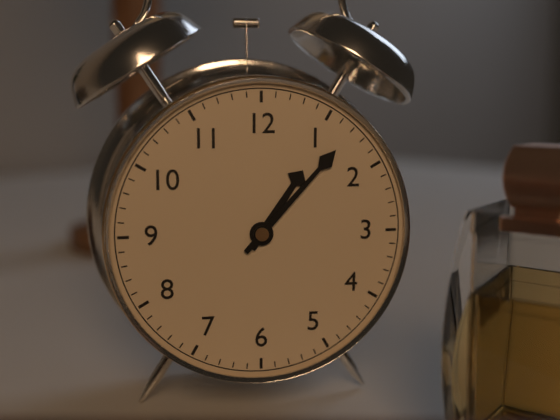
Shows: 1:07
